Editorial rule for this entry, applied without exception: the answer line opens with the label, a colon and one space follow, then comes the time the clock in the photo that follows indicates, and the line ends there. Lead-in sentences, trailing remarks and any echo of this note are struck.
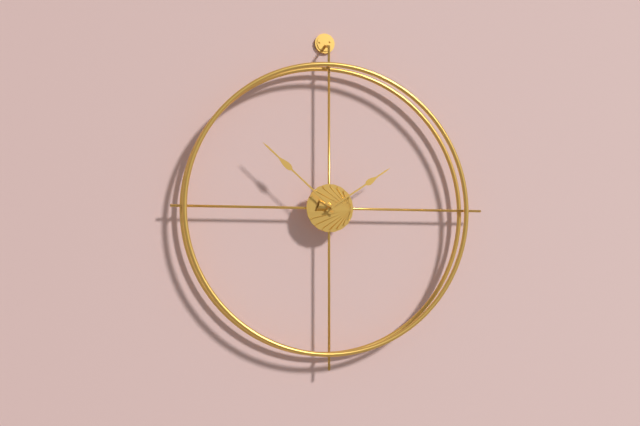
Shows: 1:52
